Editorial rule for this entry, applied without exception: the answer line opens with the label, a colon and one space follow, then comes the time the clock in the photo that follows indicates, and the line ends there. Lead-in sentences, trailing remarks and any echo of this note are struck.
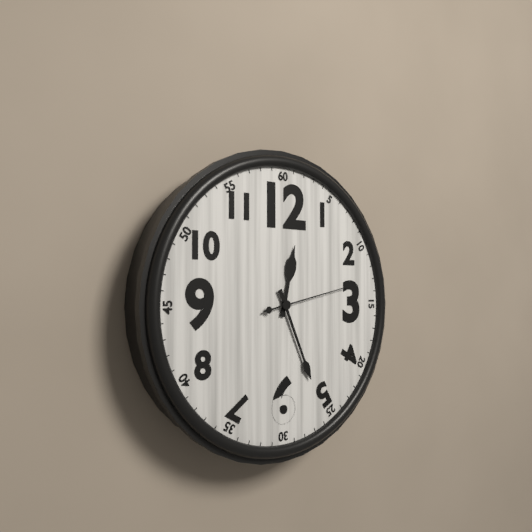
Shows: 12:26:13
